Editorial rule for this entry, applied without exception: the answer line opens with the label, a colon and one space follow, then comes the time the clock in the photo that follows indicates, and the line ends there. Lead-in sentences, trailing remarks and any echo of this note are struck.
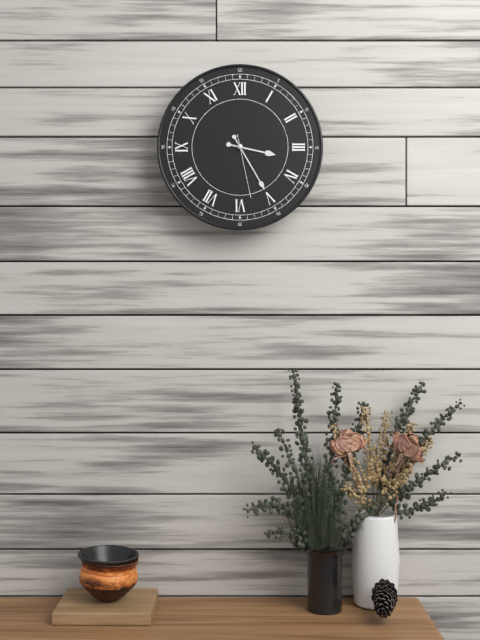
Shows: 3:25:28
